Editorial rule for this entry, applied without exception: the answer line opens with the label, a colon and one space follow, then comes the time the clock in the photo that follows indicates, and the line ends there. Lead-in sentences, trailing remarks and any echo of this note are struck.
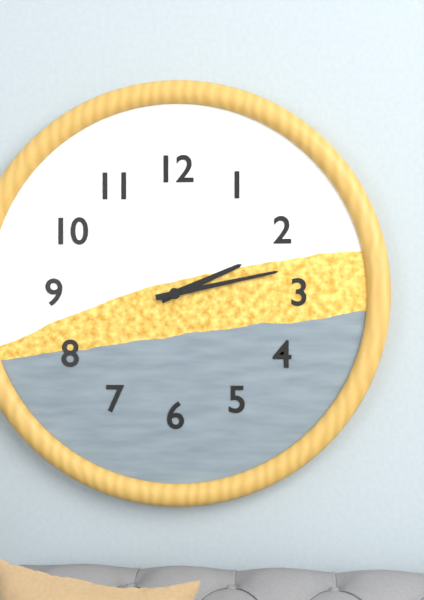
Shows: 2:13
